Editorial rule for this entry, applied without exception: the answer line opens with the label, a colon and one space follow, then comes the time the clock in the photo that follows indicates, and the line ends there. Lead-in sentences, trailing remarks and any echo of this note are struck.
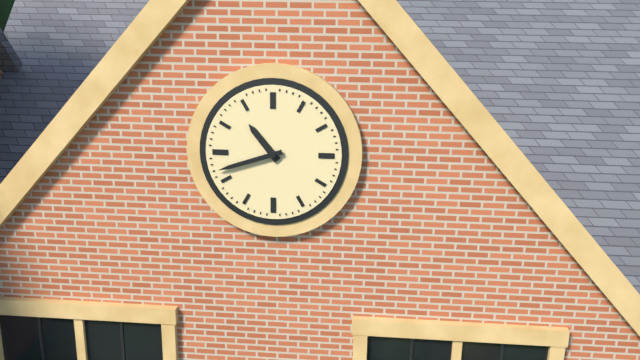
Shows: 10:42
